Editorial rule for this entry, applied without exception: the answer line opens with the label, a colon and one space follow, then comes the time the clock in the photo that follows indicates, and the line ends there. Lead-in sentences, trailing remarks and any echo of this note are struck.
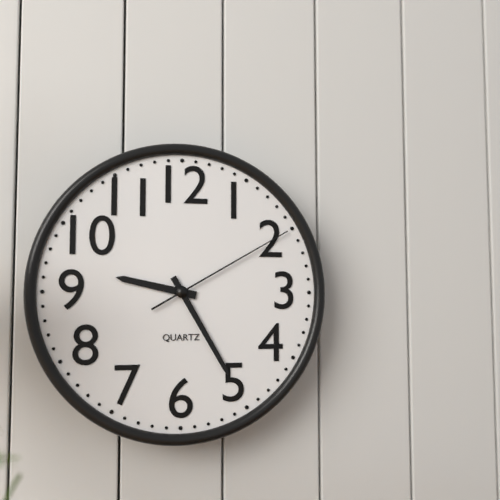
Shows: 9:25:10
